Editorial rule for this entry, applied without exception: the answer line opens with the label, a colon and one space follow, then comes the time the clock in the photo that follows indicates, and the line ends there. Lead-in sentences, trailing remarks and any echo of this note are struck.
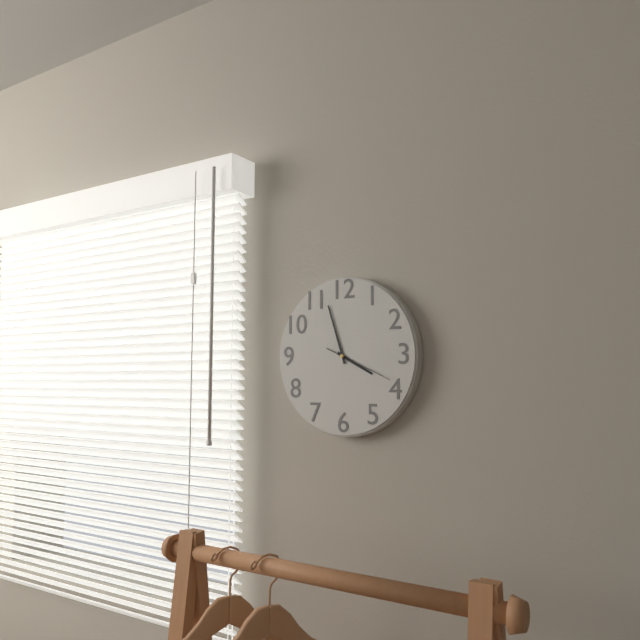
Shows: 3:57:19
